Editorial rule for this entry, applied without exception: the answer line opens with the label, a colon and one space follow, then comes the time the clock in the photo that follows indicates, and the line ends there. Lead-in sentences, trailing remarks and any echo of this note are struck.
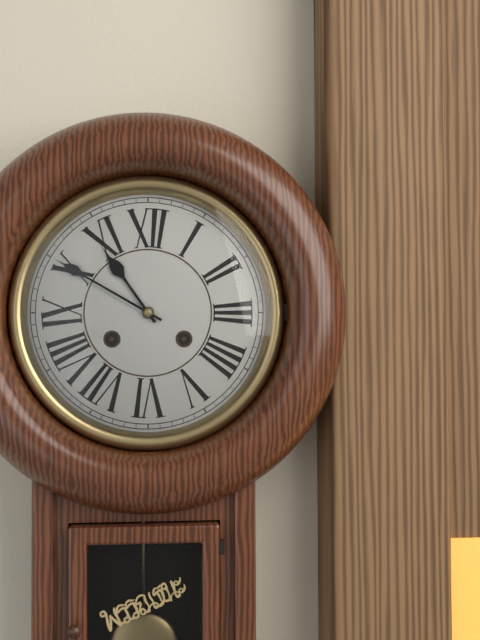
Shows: 10:50
